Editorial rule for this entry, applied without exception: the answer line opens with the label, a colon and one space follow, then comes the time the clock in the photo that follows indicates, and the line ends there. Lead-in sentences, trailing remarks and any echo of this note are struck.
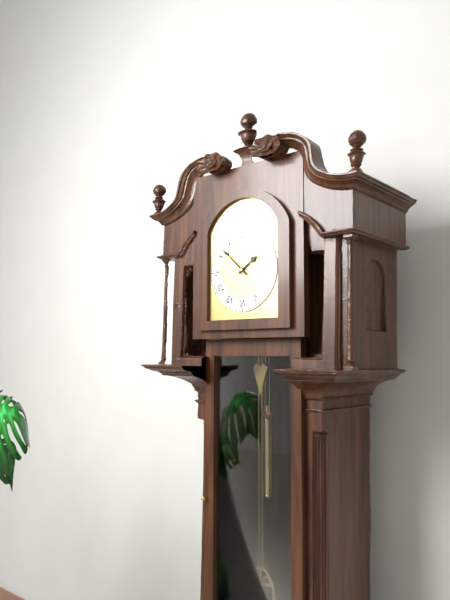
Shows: 1:52
